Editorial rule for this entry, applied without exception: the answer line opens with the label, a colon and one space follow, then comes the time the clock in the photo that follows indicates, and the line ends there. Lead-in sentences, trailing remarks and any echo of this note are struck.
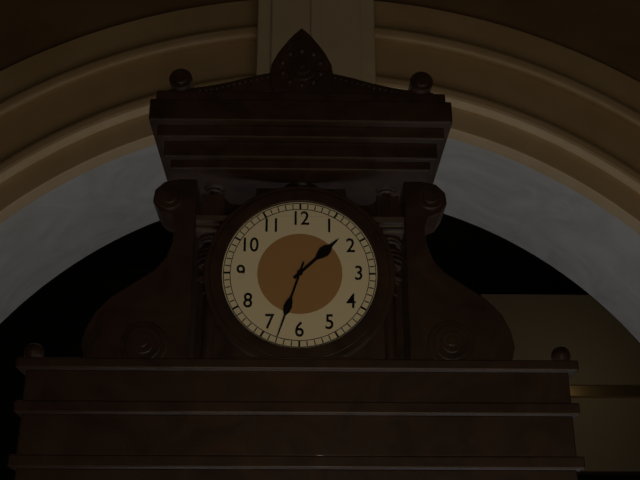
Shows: 1:33
